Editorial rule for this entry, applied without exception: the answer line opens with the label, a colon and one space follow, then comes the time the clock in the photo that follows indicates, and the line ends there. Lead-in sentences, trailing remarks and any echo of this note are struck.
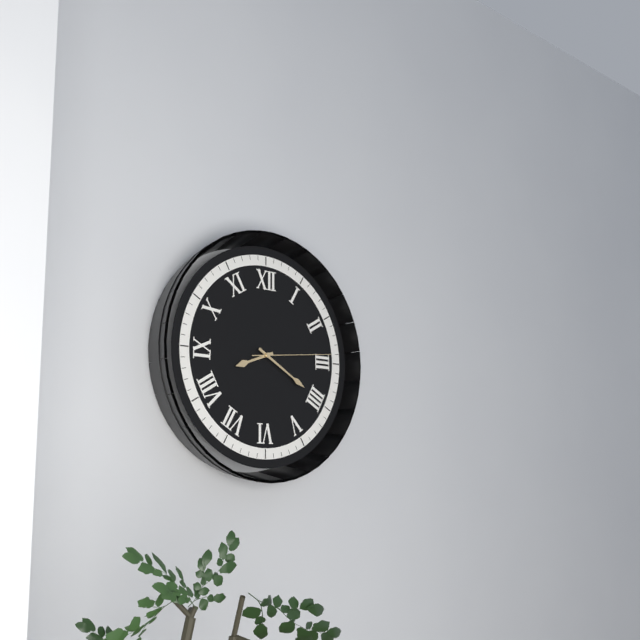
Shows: 8:20:14
